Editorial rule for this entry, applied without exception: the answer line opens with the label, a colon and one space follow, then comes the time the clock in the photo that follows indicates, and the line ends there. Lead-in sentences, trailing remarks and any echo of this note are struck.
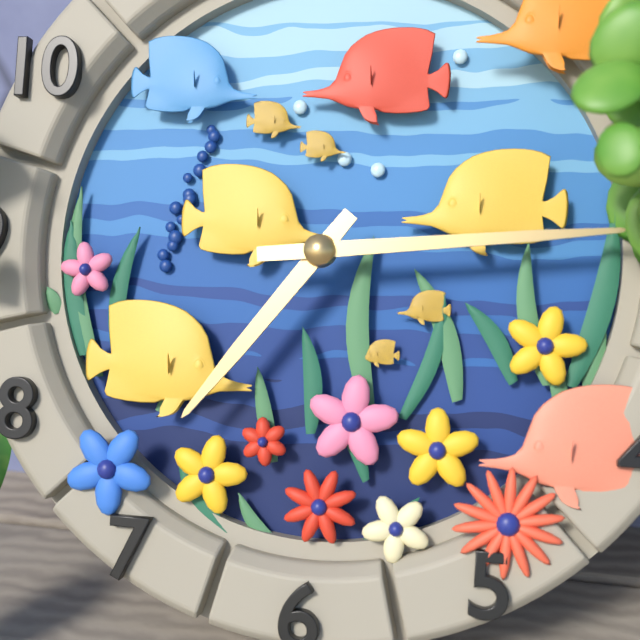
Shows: 7:14
